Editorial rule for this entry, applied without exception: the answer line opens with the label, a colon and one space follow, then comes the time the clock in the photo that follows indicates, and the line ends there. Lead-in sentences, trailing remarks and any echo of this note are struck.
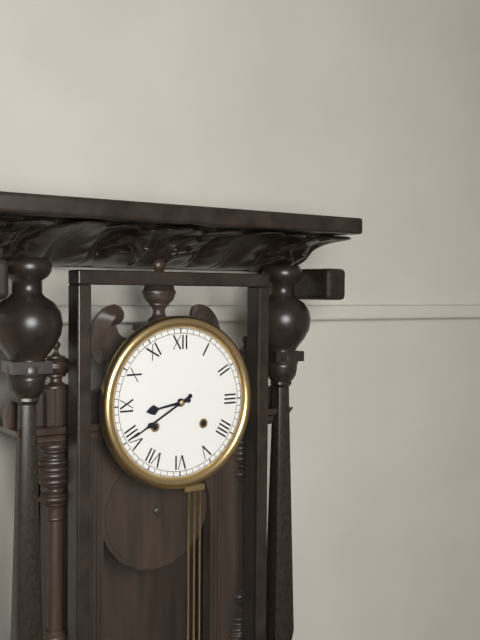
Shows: 8:40
